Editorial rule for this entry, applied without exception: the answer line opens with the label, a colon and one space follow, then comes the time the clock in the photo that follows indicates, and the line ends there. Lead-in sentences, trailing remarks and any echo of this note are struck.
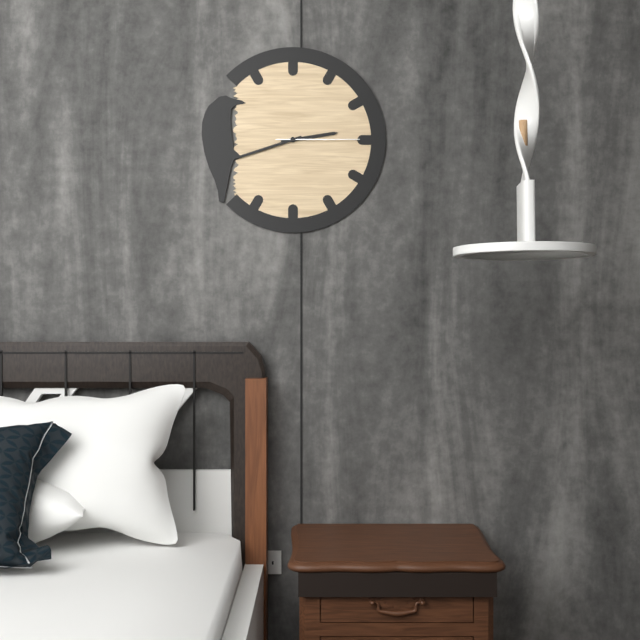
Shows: 2:42:15
